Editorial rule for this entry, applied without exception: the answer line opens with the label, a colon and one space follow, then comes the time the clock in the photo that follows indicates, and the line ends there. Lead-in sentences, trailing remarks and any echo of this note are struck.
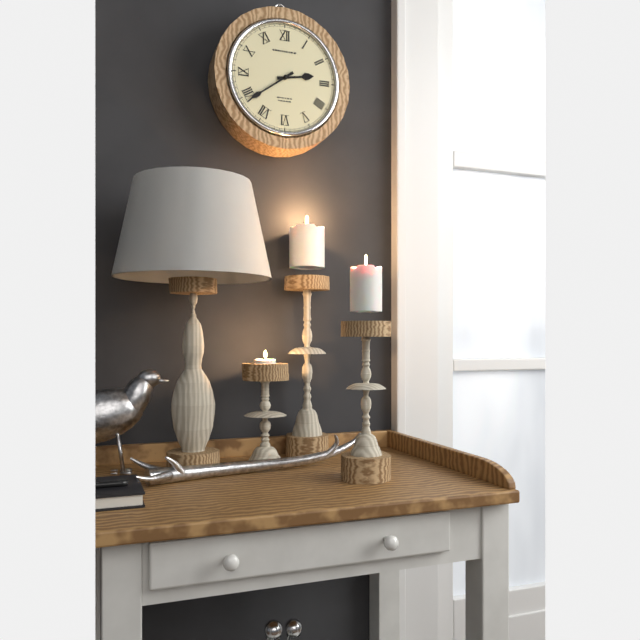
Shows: 2:39
